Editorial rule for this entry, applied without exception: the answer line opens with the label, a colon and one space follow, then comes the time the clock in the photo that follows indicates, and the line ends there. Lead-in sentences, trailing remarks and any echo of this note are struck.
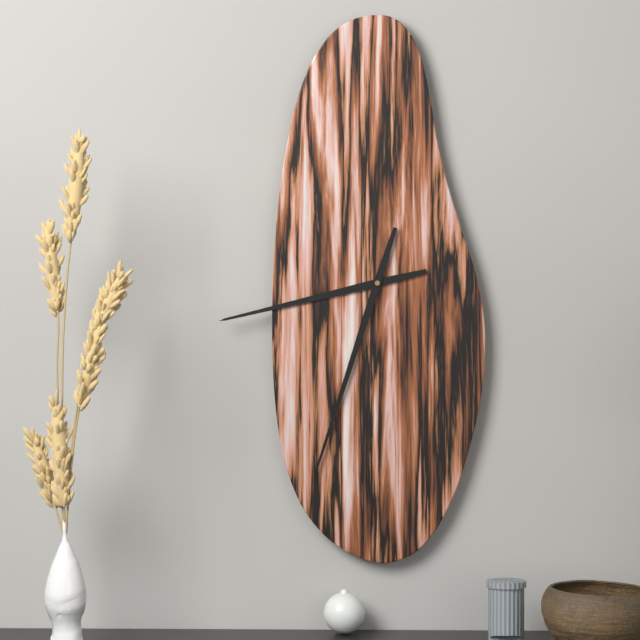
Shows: 8:33
